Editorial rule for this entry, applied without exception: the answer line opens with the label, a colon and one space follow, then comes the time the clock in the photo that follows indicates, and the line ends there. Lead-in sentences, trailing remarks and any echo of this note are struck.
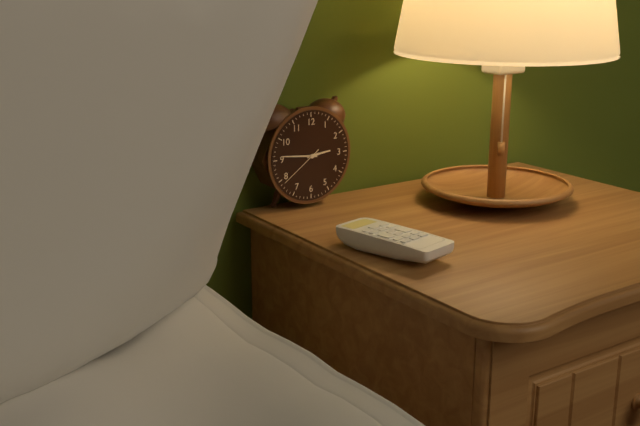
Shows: 2:46
